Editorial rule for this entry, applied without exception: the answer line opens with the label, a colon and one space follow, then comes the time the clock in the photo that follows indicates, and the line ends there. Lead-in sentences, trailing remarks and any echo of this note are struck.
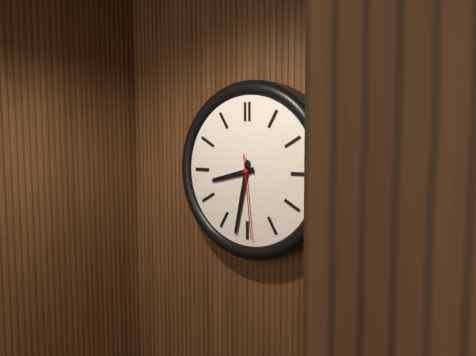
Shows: 8:32:29
